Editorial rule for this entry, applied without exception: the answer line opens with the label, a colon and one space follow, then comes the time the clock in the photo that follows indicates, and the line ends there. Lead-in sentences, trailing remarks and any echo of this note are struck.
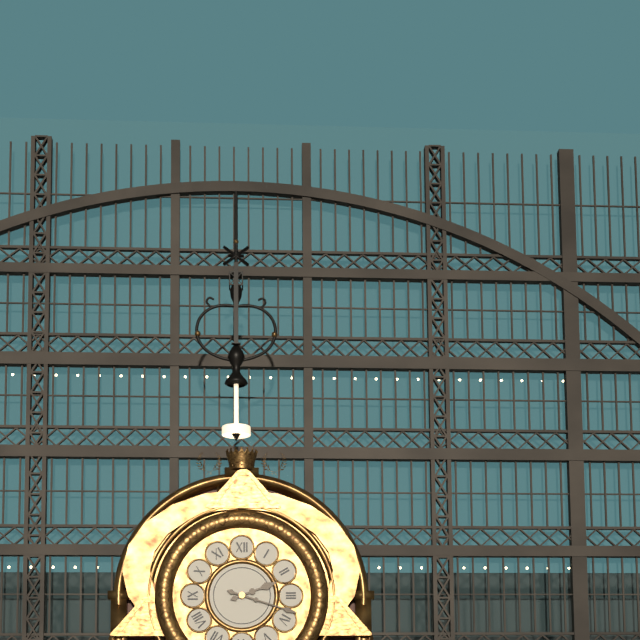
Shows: 2:18
